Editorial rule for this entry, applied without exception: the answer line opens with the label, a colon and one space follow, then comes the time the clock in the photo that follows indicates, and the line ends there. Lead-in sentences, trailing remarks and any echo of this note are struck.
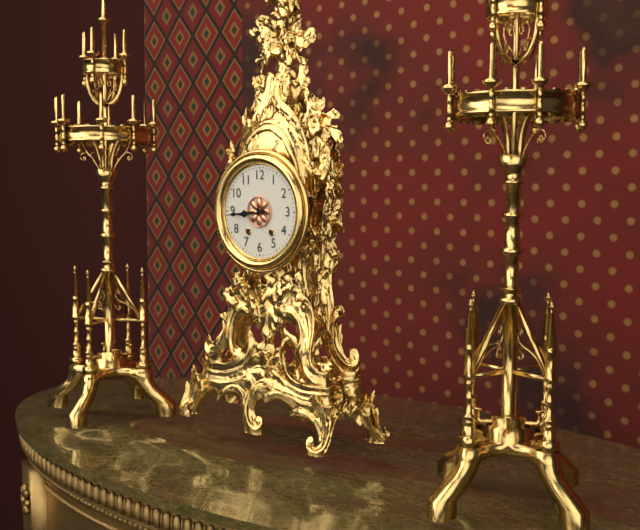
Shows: 8:44
